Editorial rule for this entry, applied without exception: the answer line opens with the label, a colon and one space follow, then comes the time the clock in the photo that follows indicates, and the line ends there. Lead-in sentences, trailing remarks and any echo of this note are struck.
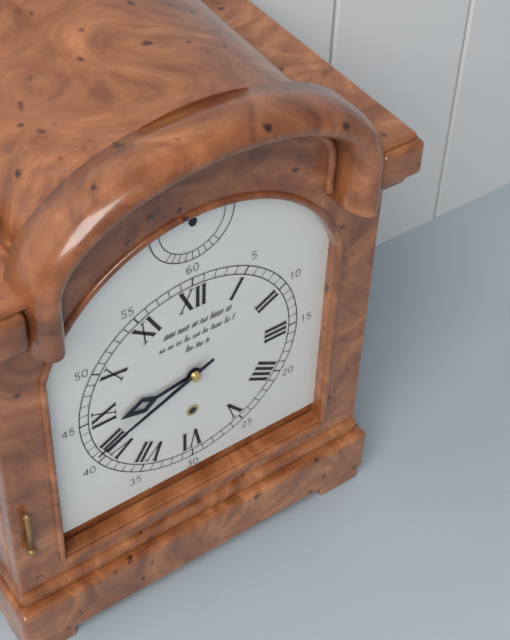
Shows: 8:41
